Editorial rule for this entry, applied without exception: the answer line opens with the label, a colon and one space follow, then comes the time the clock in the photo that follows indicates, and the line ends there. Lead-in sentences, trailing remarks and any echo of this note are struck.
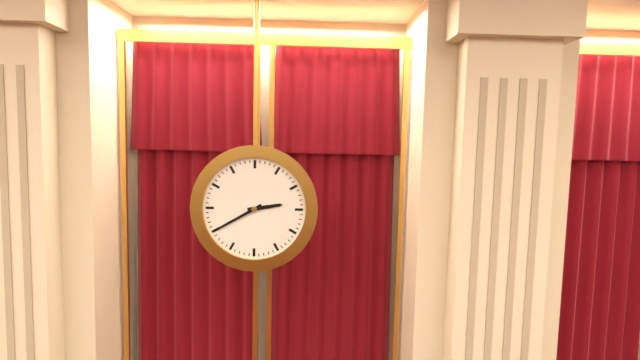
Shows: 2:40
